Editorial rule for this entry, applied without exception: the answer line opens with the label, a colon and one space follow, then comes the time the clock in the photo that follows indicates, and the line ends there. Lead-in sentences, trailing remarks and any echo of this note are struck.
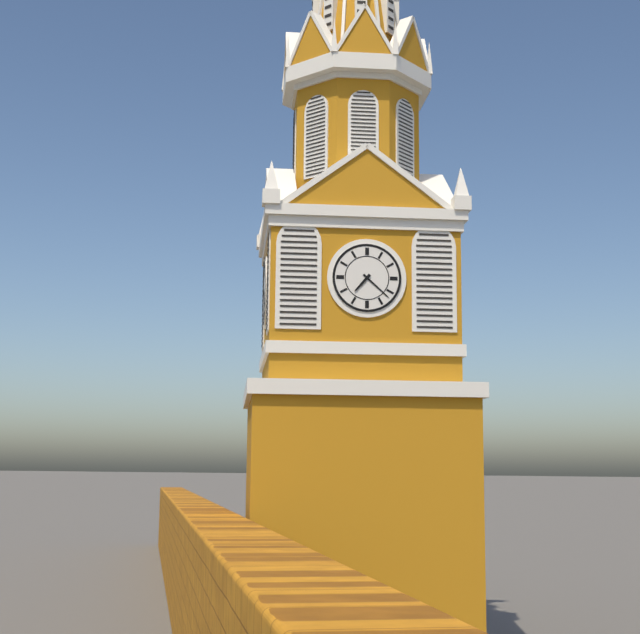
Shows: 7:22
